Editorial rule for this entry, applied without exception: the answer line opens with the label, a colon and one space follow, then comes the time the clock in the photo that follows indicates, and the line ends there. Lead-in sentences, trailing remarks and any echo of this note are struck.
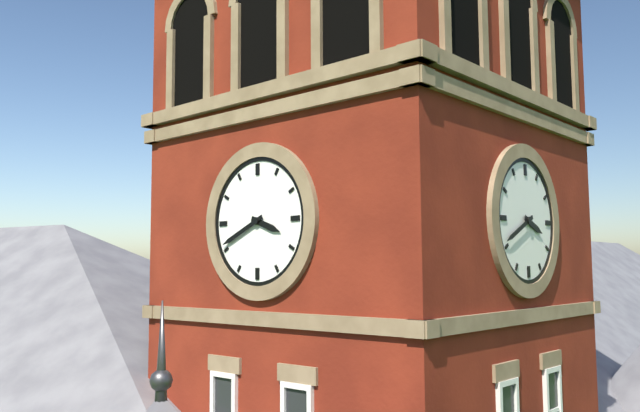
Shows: 3:41
